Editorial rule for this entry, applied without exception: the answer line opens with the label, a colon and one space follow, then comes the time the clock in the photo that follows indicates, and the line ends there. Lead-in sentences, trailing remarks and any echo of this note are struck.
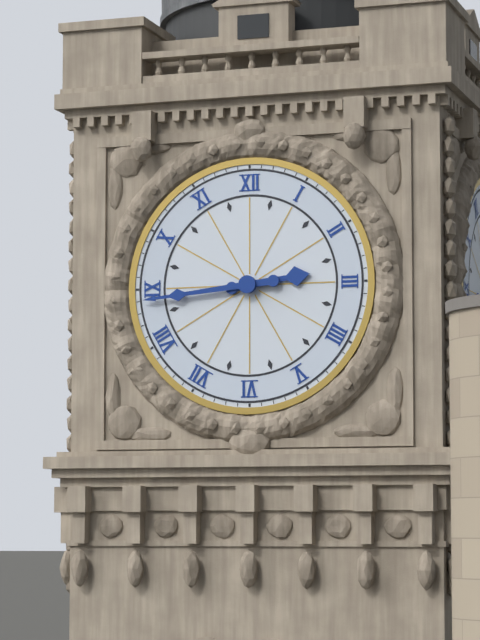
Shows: 2:44
